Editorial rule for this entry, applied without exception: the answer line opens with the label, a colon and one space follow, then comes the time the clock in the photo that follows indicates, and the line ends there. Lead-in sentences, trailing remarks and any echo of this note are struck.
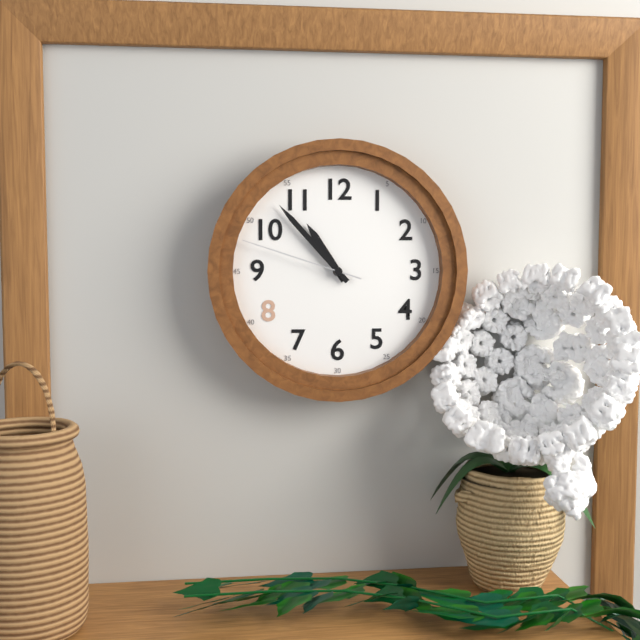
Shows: 10:53:48
